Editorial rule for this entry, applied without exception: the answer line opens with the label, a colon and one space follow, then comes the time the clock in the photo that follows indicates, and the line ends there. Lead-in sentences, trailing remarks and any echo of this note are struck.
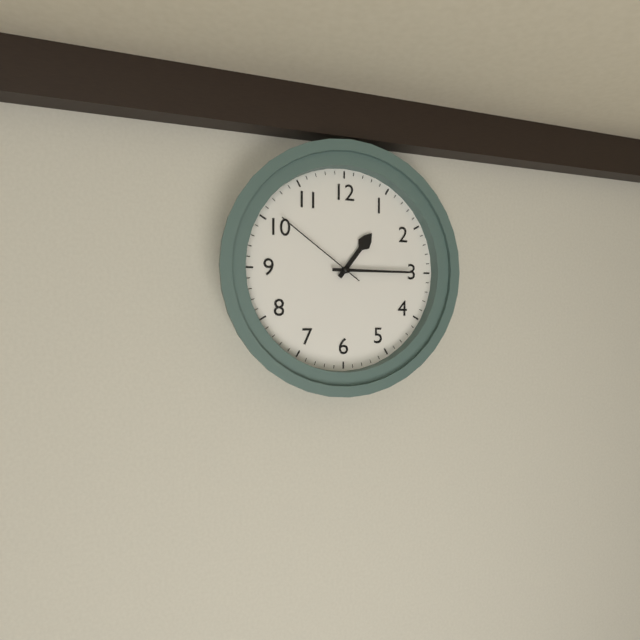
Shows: 1:15:51
